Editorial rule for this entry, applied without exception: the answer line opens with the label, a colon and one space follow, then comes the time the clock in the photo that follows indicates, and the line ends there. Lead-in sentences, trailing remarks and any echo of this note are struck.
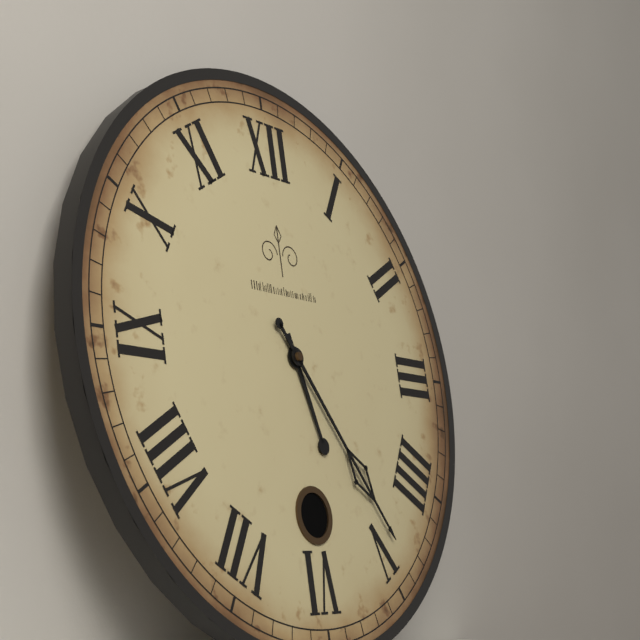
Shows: 5:24
